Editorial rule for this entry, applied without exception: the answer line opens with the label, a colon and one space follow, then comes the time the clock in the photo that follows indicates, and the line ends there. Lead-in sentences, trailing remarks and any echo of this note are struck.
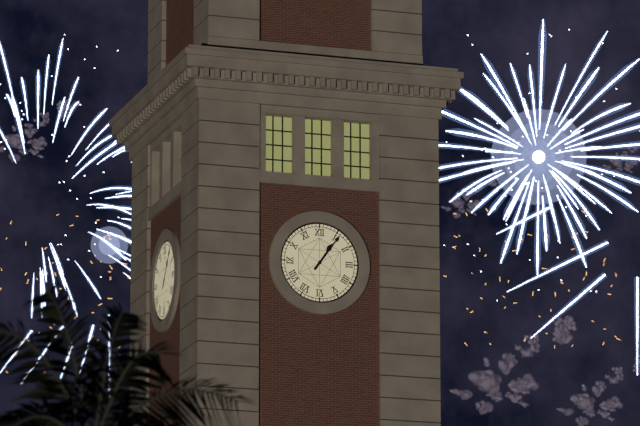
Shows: 1:06
